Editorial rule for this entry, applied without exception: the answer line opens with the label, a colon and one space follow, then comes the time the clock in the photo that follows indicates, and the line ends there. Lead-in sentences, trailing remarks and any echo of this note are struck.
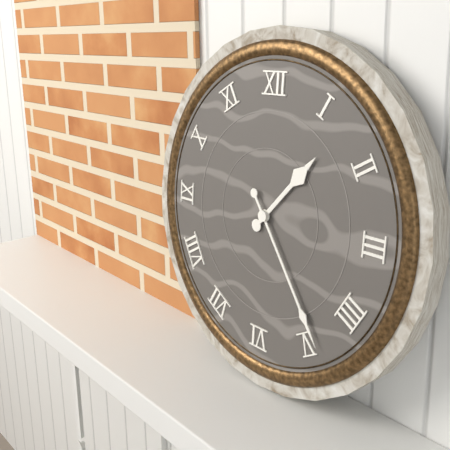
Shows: 1:24
